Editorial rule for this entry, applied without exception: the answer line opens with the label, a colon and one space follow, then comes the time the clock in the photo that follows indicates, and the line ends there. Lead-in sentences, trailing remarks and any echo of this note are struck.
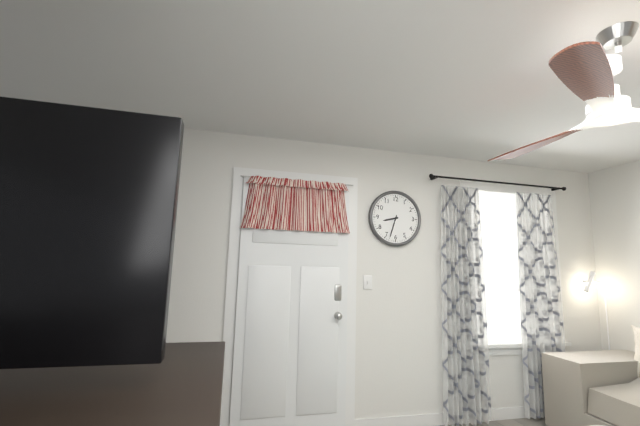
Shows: 8:33
